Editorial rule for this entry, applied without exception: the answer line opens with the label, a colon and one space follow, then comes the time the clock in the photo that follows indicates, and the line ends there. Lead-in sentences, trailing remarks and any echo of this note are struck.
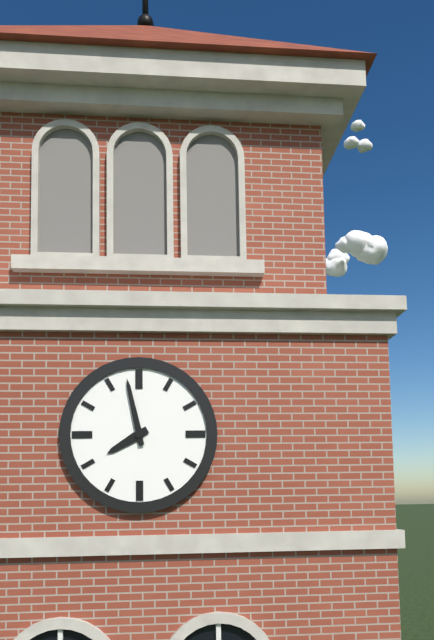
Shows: 7:58
